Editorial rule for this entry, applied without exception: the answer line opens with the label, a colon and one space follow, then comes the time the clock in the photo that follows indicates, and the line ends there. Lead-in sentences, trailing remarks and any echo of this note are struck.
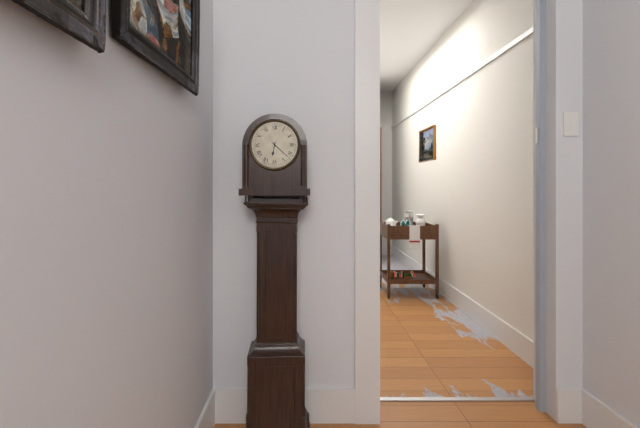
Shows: 6:22
